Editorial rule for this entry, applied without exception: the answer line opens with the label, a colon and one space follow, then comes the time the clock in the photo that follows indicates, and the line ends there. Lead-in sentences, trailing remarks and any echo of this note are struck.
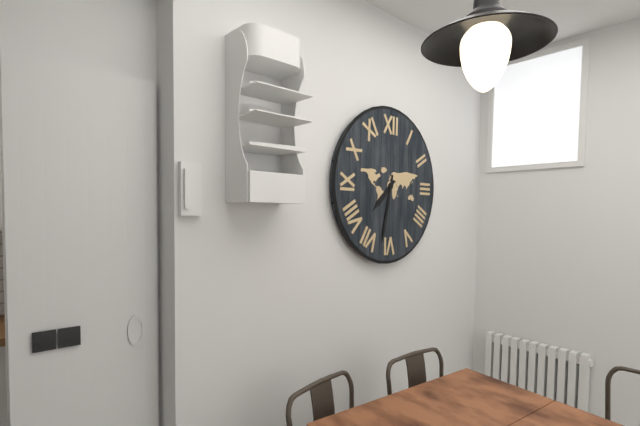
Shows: 7:32
